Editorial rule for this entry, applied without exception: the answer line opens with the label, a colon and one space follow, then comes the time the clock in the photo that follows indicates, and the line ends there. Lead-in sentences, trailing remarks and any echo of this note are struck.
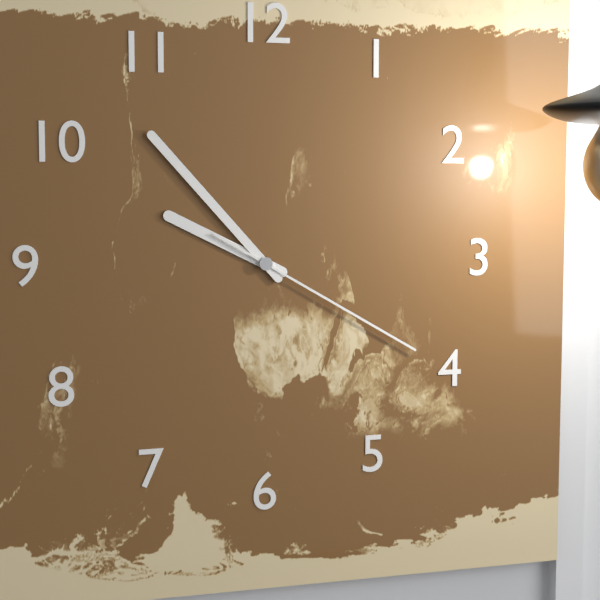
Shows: 9:53:20
